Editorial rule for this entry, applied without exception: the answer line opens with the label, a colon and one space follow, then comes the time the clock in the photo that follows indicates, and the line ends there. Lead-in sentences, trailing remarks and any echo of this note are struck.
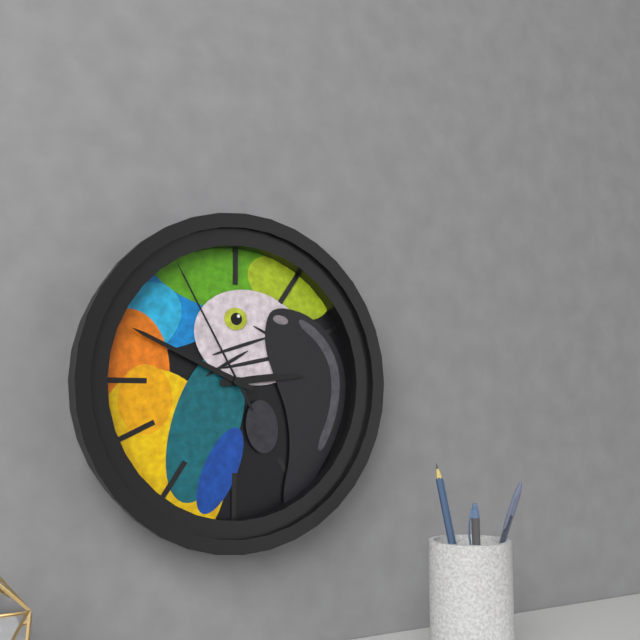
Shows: 2:49:55
